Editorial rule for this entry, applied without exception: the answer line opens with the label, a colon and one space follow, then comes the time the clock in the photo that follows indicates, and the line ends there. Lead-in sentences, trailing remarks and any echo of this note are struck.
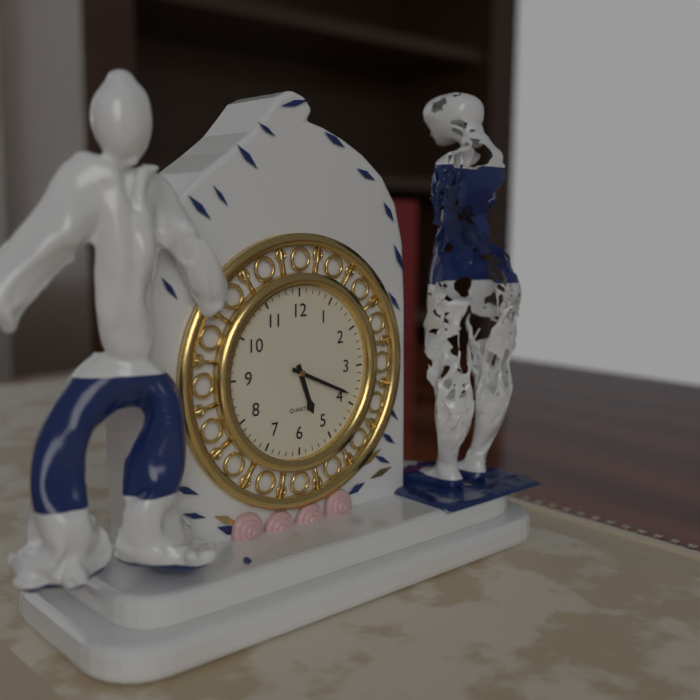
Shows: 5:19
